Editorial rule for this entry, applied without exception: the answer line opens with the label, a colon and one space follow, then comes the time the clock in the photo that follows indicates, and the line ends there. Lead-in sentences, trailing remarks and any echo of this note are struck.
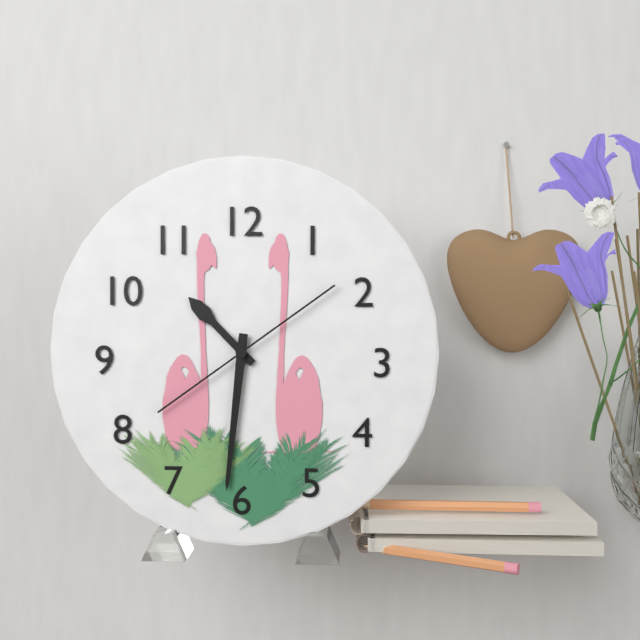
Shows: 10:31:09
